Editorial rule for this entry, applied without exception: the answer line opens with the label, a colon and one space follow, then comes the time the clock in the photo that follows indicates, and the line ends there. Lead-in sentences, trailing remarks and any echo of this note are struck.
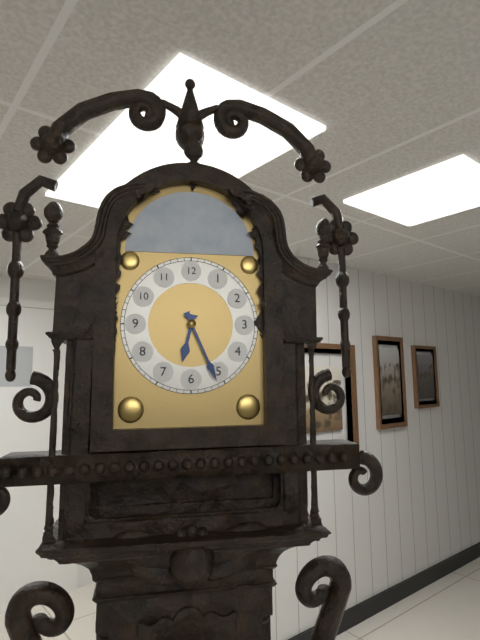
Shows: 6:26
